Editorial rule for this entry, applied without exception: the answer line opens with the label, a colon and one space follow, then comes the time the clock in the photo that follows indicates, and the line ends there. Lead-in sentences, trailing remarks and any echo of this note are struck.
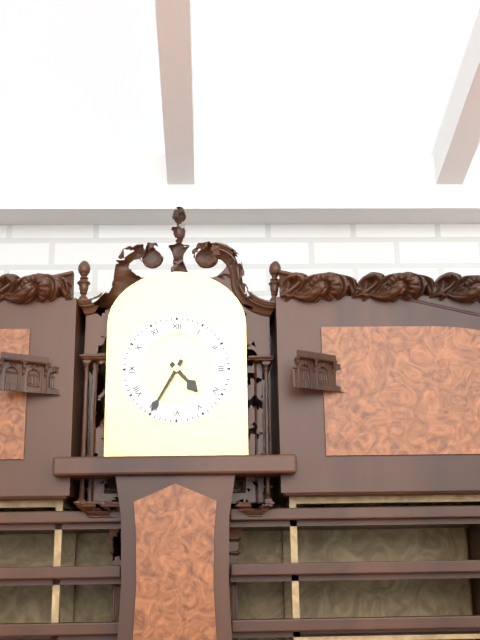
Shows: 4:35
